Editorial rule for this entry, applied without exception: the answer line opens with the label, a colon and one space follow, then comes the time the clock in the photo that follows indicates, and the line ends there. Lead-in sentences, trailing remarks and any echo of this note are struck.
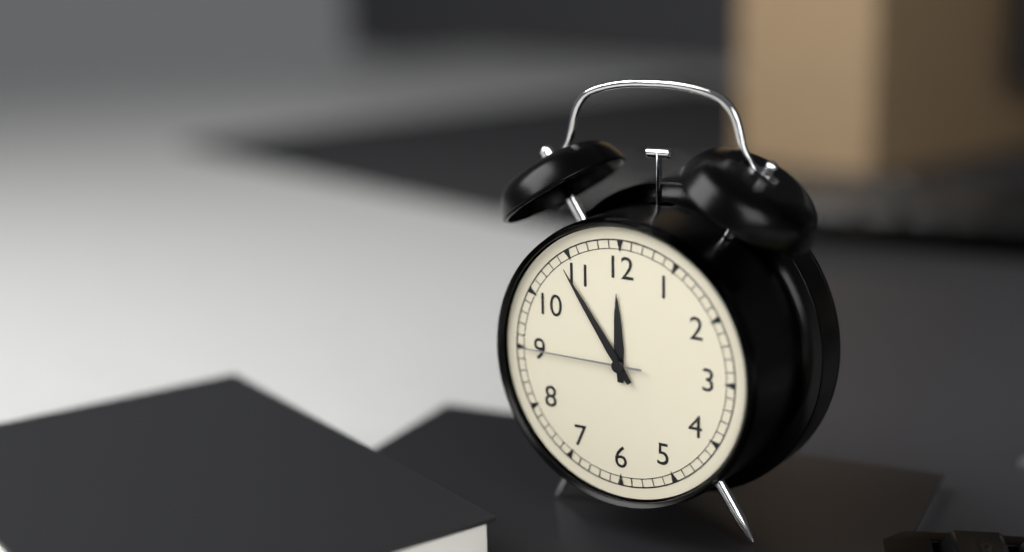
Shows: 11:54:45
